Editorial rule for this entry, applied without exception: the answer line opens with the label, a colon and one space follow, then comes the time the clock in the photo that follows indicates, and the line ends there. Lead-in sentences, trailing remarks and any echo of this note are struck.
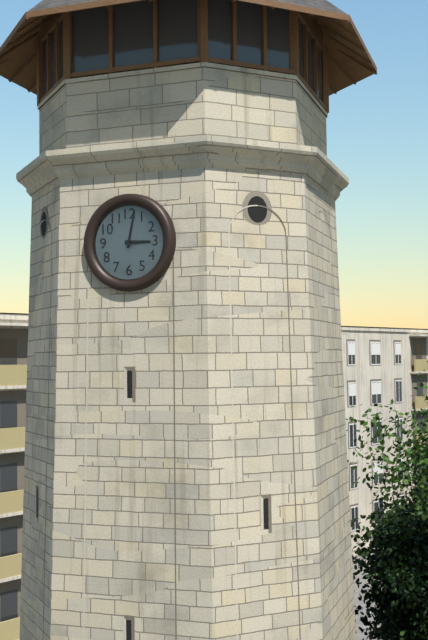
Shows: 3:02
